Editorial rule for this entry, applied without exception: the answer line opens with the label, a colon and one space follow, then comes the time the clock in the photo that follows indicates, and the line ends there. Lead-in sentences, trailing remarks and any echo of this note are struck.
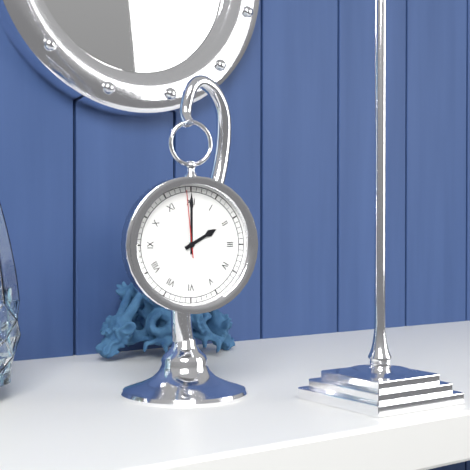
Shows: 2:00:59
